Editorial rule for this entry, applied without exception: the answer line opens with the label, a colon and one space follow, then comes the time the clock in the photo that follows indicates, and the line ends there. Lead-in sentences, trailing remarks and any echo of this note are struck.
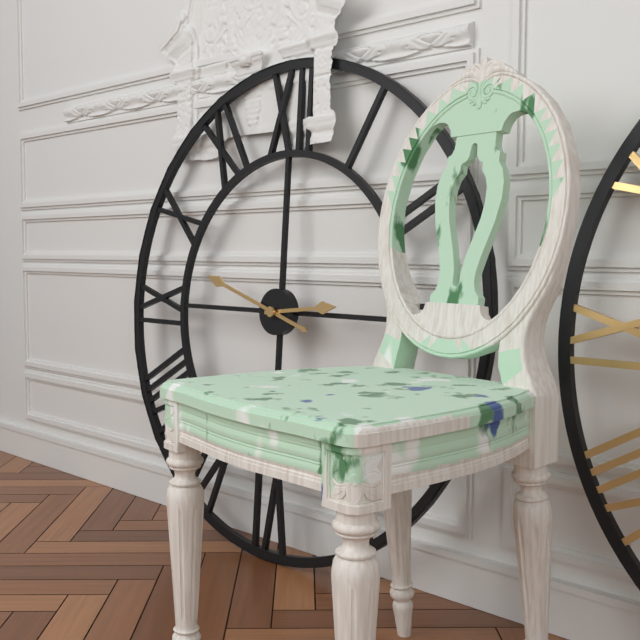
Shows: 2:48
